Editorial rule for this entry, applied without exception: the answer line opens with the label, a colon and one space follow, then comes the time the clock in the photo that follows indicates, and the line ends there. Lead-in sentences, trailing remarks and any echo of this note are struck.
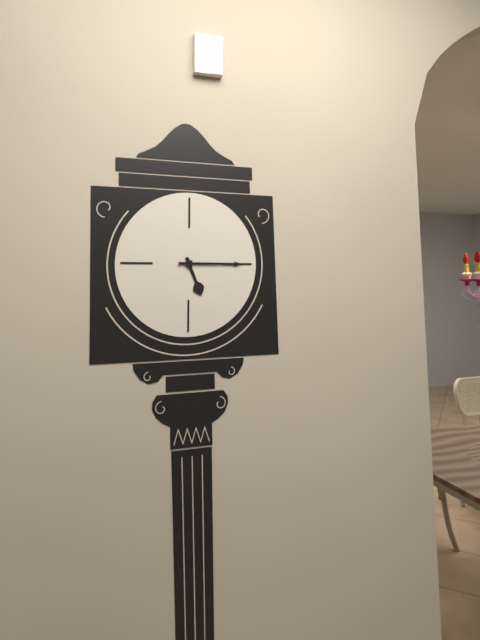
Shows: 5:15
